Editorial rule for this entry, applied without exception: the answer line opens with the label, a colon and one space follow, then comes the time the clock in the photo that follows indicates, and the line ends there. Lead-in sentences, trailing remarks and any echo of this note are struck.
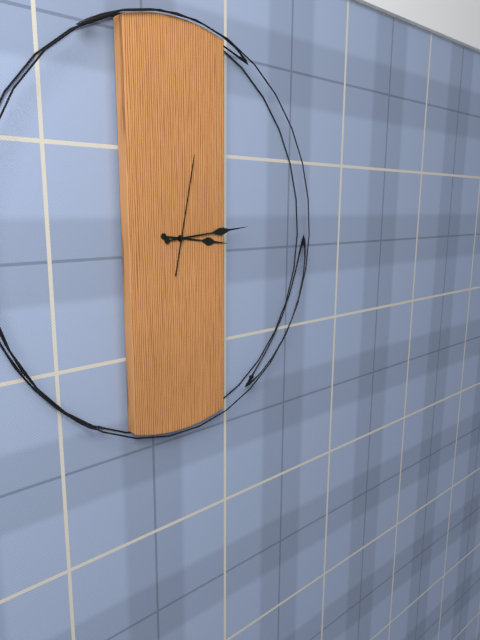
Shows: 3:14:02
